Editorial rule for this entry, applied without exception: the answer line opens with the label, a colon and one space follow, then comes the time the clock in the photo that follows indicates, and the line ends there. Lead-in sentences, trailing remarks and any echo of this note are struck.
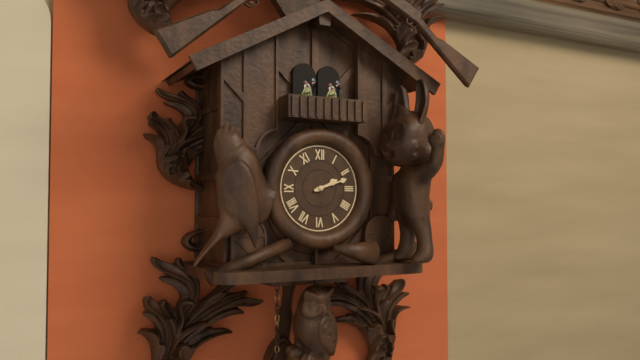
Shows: 2:12
